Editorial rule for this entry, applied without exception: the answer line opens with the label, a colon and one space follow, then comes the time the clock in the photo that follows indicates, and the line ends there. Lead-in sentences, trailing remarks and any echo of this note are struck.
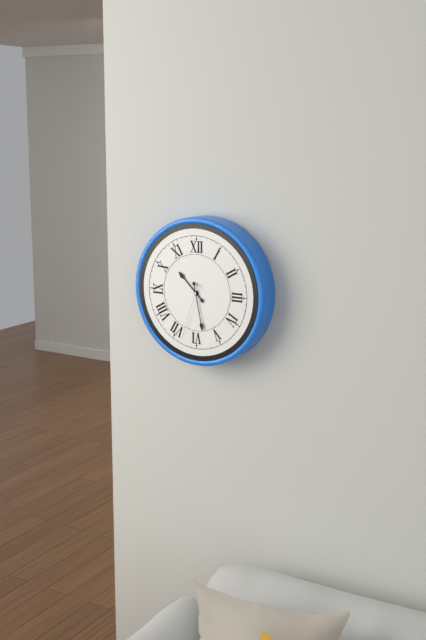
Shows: 10:28:33
